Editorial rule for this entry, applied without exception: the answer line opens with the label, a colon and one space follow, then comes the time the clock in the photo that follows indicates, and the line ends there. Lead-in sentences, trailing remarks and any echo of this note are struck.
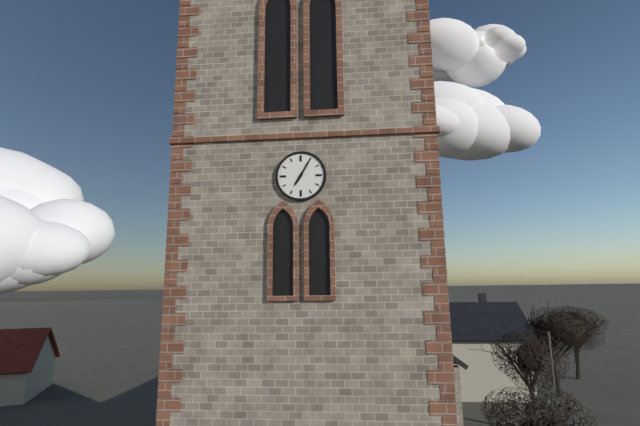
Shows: 7:05
